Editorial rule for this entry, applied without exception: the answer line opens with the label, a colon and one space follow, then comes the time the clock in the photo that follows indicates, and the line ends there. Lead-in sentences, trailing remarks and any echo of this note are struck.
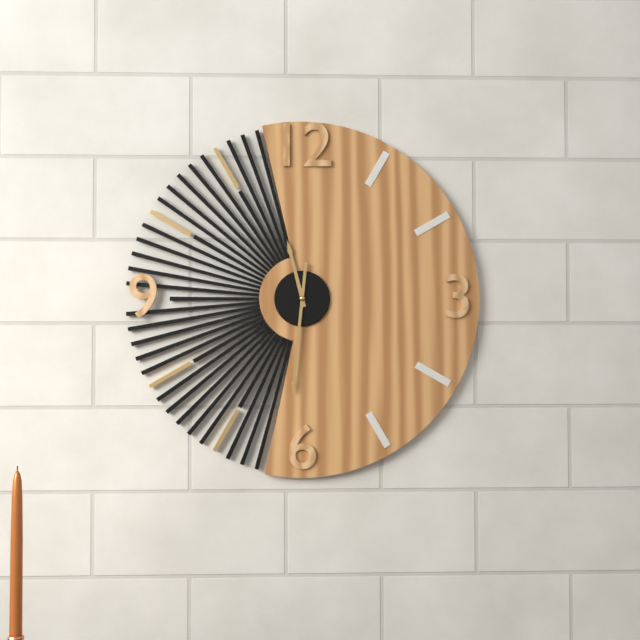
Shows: 11:31
